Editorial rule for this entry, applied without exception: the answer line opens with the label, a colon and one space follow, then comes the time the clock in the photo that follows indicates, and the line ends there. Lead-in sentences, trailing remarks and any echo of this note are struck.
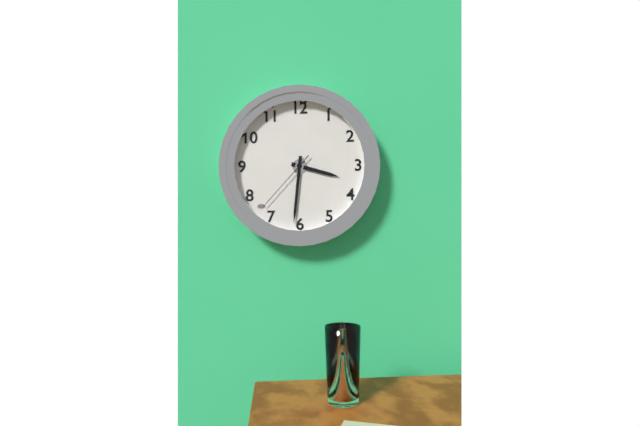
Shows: 3:31:37
